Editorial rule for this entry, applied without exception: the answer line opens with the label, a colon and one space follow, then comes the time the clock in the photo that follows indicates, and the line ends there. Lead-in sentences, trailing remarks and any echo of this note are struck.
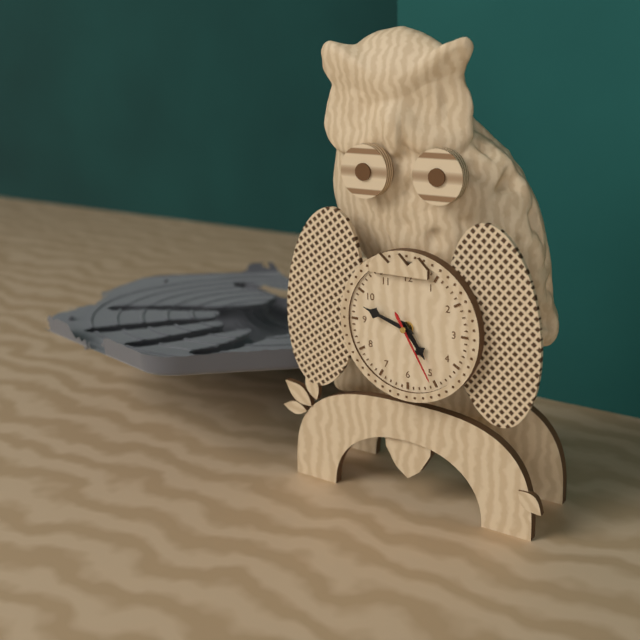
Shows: 4:48:25
